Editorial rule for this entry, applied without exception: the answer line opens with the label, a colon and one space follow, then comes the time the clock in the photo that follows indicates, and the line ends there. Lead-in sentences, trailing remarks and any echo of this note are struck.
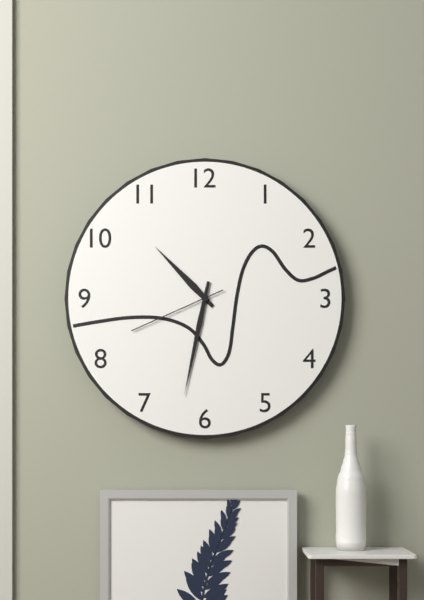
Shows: 10:32:41
